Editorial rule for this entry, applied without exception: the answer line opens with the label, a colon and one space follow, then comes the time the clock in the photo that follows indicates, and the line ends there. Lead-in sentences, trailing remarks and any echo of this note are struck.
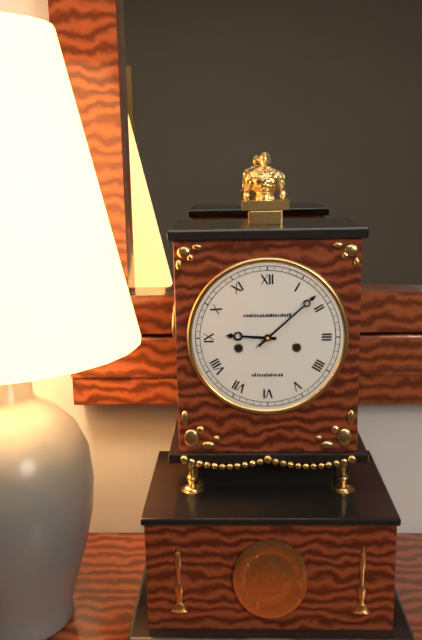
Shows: 9:08
